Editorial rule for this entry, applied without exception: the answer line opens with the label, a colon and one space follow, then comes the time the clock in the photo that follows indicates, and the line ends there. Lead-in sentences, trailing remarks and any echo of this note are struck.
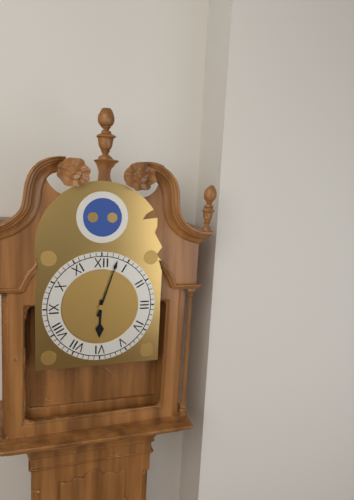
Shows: 6:03
